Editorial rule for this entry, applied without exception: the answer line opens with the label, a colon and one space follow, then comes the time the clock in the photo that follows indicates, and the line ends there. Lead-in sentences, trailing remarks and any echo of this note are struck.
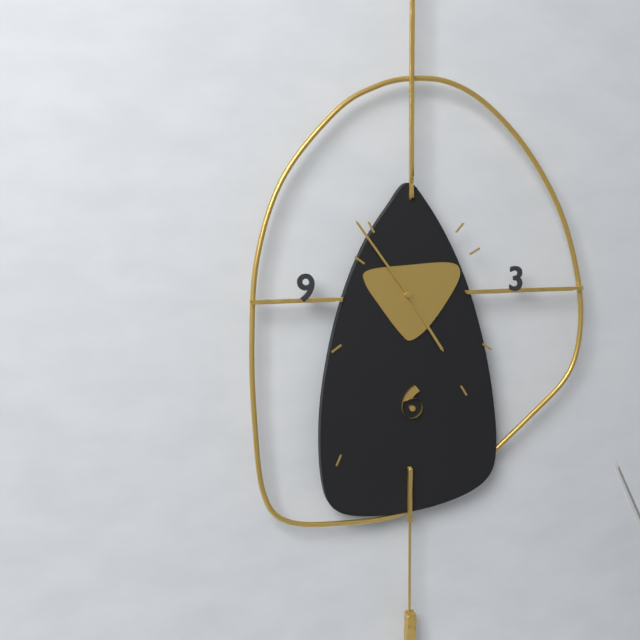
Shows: 4:54
